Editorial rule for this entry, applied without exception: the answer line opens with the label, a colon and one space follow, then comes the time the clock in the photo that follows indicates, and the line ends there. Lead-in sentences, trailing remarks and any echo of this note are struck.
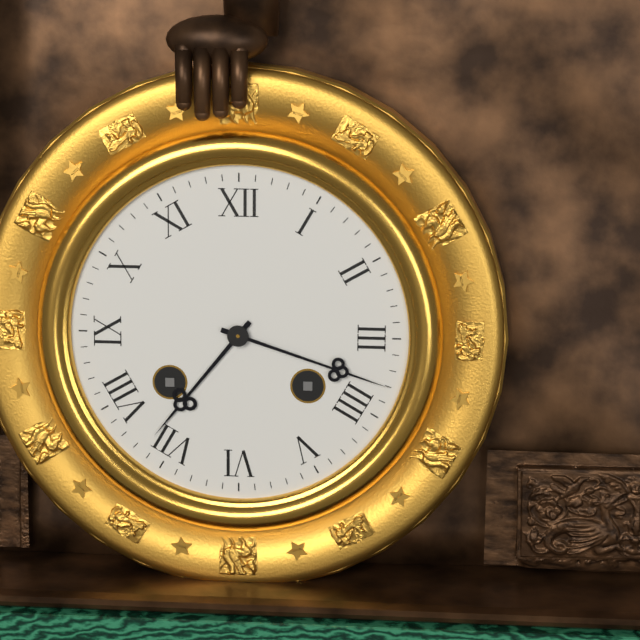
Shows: 7:18
